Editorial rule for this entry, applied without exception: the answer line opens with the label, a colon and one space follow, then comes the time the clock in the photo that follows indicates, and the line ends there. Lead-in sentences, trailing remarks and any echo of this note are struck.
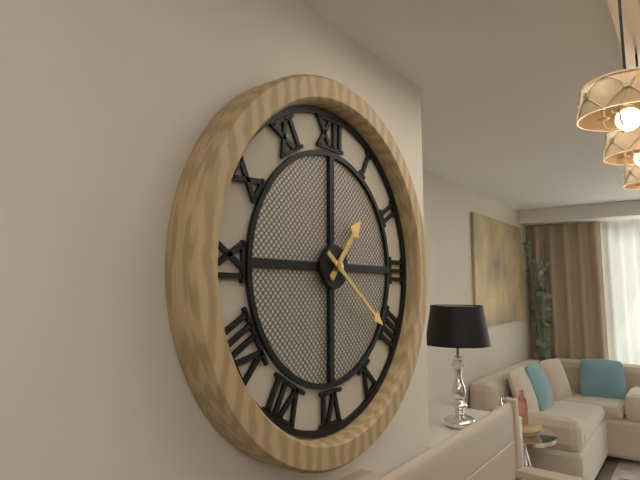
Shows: 1:21
